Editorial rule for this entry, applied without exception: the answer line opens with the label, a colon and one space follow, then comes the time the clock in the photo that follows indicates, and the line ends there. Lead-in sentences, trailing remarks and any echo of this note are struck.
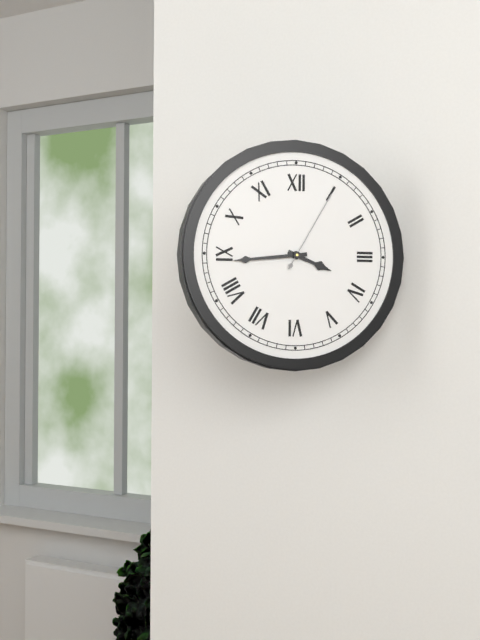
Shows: 3:44:05
